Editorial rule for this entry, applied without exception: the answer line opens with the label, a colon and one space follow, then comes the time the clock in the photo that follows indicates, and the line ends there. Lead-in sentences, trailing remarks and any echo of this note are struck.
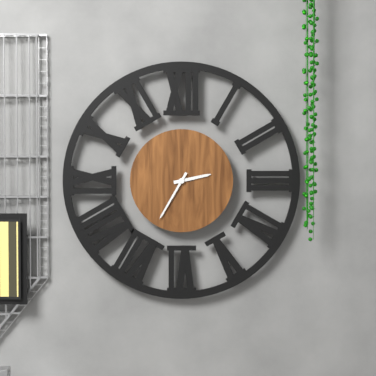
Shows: 2:35
